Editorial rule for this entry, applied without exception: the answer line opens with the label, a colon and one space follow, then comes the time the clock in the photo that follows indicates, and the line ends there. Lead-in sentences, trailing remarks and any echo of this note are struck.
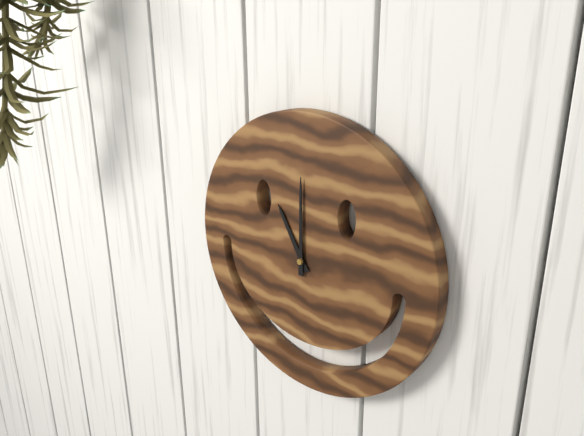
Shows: 11:00
